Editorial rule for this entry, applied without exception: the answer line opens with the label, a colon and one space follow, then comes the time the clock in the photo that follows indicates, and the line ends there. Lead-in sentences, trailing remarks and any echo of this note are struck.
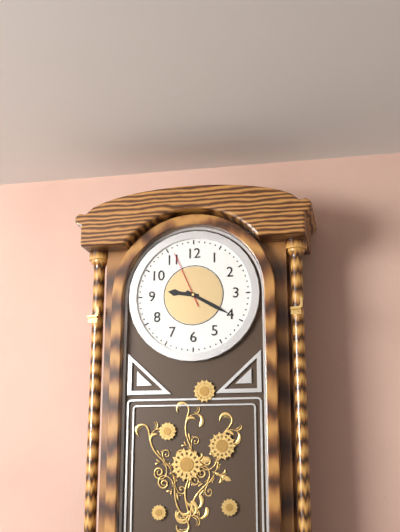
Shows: 9:20:56
